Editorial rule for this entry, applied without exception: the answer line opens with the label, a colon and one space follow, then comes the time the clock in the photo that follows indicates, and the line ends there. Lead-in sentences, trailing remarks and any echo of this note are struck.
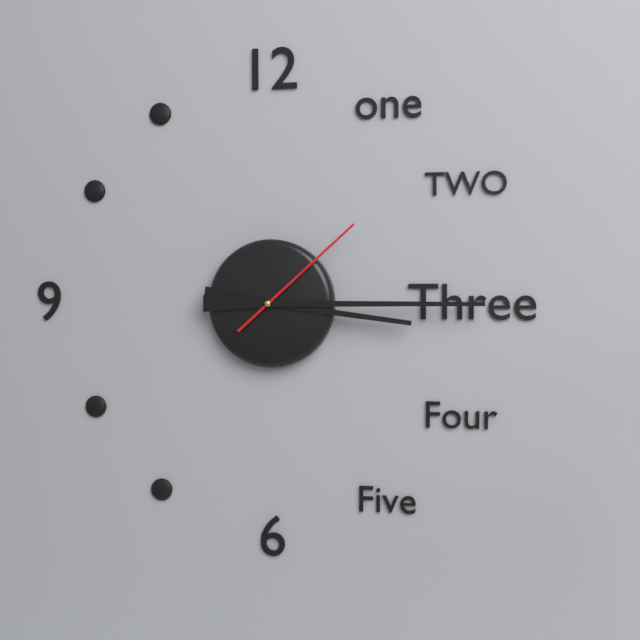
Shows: 3:15:08
